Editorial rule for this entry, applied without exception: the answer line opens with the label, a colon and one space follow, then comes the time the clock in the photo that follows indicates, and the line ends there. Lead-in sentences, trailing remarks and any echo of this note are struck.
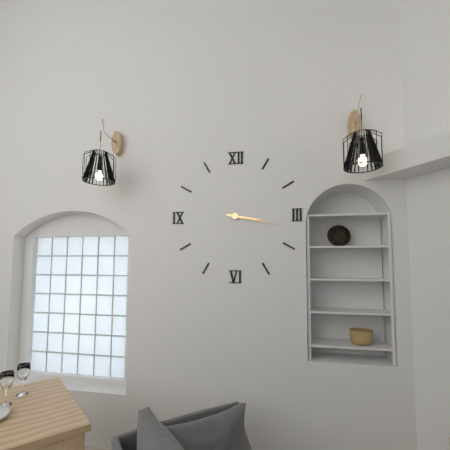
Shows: 3:17
